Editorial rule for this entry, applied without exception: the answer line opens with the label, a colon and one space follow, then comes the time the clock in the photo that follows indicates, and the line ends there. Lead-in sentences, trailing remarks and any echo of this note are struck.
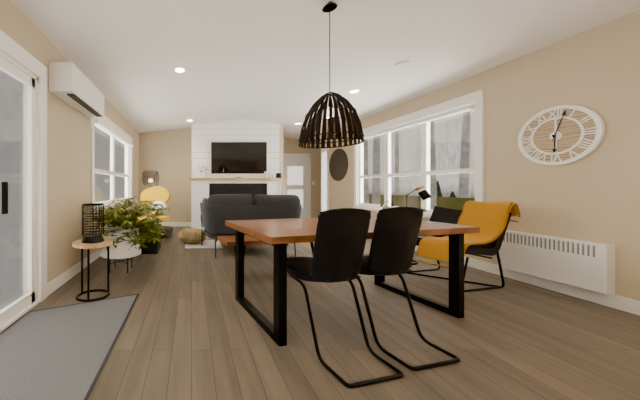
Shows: 6:03
